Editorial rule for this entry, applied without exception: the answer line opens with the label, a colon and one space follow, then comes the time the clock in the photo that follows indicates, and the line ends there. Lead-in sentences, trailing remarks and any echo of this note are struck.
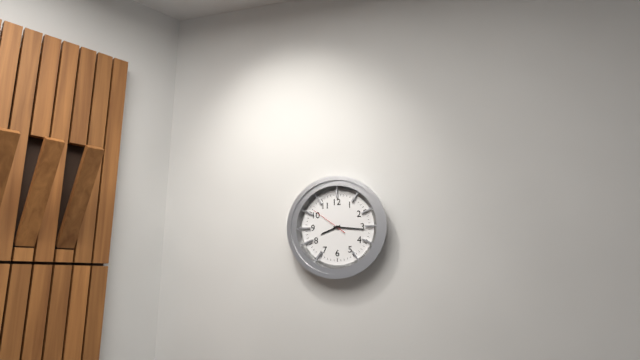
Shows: 8:16
